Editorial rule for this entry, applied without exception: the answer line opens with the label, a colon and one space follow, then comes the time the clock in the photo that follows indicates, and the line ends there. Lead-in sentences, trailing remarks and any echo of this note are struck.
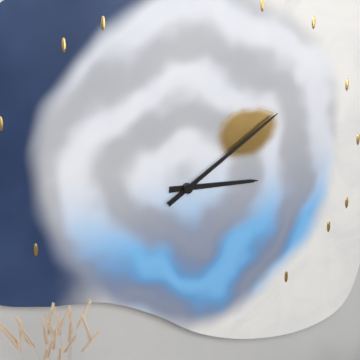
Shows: 3:10
